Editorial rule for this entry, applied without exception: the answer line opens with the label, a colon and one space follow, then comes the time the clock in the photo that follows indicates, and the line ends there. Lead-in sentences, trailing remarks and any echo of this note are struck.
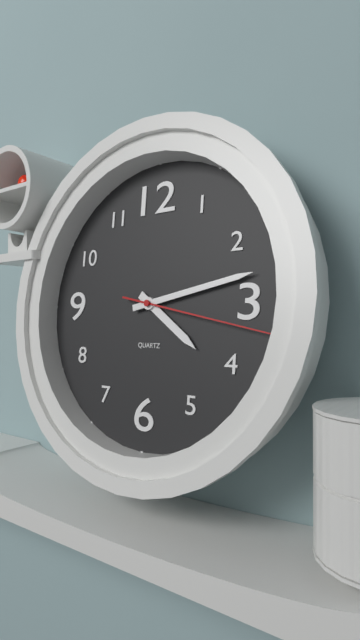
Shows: 4:13:17
